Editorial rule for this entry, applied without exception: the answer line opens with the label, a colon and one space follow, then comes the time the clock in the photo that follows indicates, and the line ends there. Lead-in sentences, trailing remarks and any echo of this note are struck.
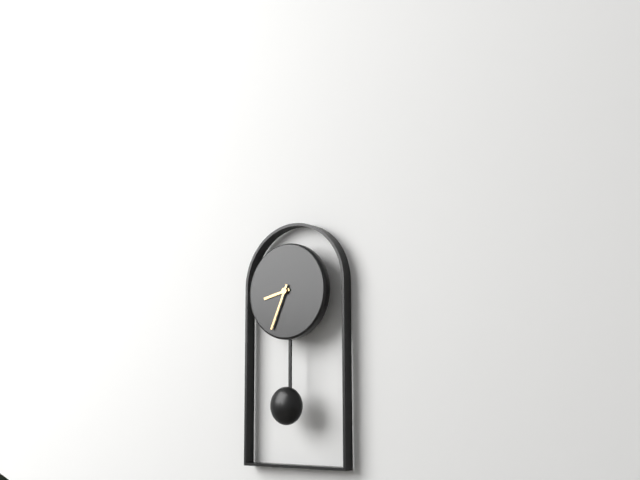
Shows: 8:34
